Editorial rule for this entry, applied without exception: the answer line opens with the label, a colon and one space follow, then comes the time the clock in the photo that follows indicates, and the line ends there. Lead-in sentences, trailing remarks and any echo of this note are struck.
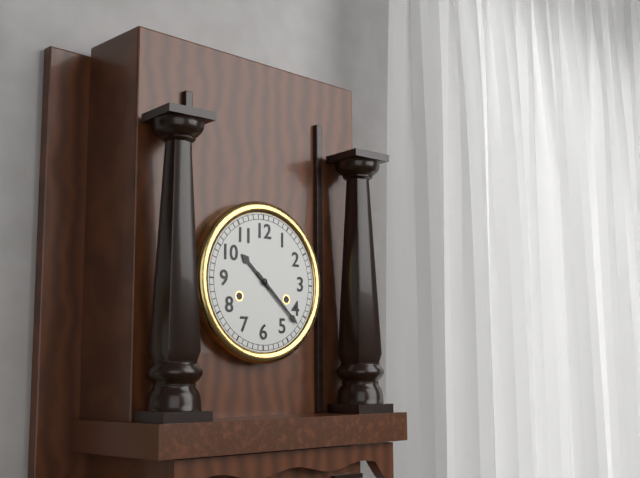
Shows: 10:22
